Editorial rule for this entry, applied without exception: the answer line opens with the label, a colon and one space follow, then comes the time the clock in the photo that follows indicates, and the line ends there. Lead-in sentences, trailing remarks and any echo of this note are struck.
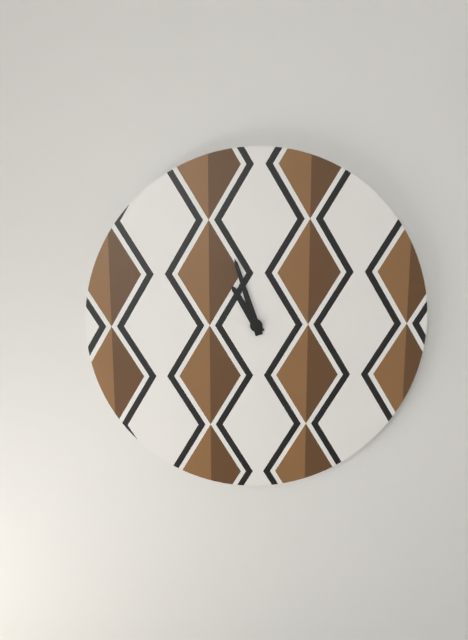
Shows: 10:57
